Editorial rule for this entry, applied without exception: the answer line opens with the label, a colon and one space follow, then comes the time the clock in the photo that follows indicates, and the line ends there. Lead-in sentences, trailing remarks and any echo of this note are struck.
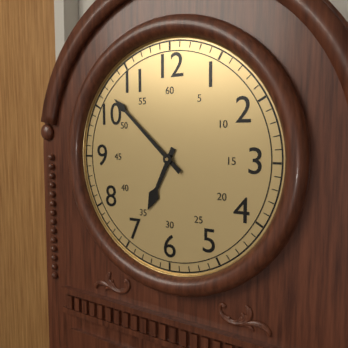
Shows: 6:52
